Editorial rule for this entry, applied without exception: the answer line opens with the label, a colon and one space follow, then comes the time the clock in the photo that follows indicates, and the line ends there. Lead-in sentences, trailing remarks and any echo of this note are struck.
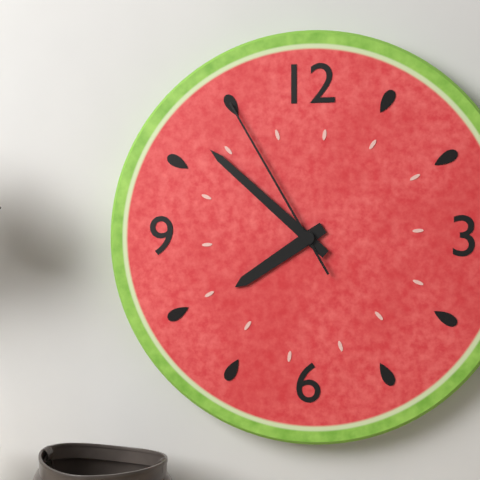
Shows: 7:52:55
